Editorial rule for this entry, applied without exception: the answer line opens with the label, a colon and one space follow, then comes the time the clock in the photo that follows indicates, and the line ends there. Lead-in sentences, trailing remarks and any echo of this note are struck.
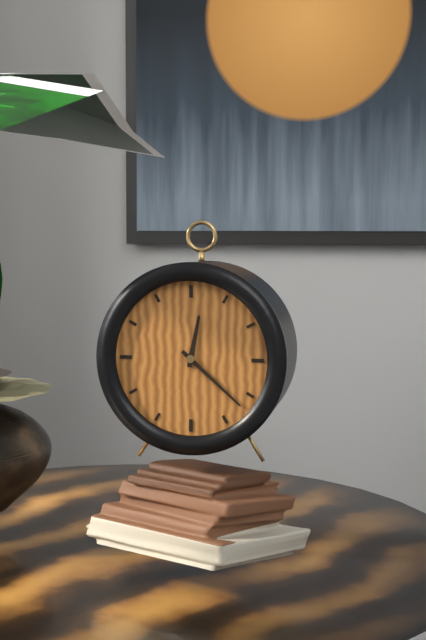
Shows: 12:22
